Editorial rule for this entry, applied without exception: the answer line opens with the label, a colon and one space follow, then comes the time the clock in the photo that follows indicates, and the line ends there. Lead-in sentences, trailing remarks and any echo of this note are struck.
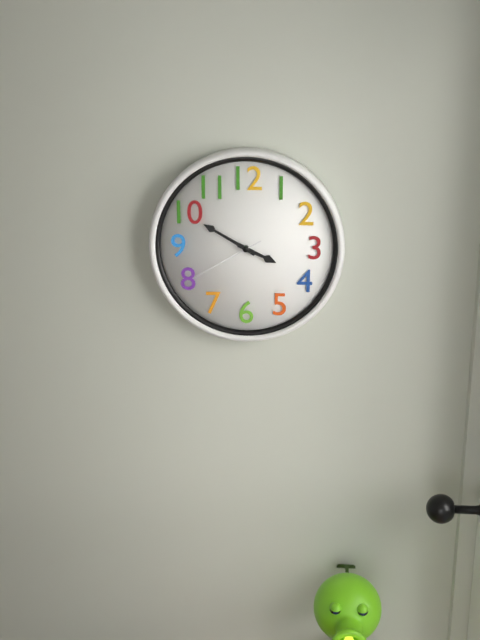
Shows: 3:50:40
